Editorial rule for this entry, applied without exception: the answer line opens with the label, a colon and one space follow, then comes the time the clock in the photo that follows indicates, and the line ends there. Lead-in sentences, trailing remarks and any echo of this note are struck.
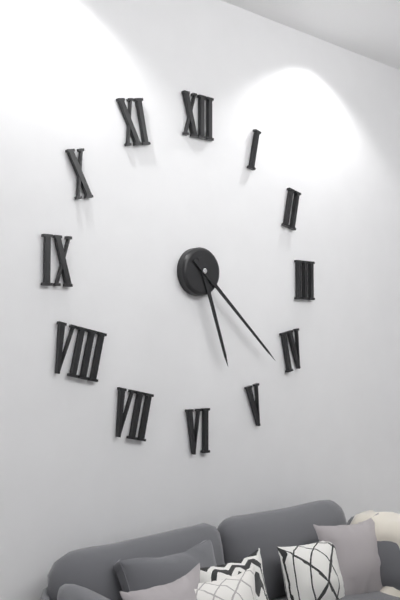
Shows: 5:22
